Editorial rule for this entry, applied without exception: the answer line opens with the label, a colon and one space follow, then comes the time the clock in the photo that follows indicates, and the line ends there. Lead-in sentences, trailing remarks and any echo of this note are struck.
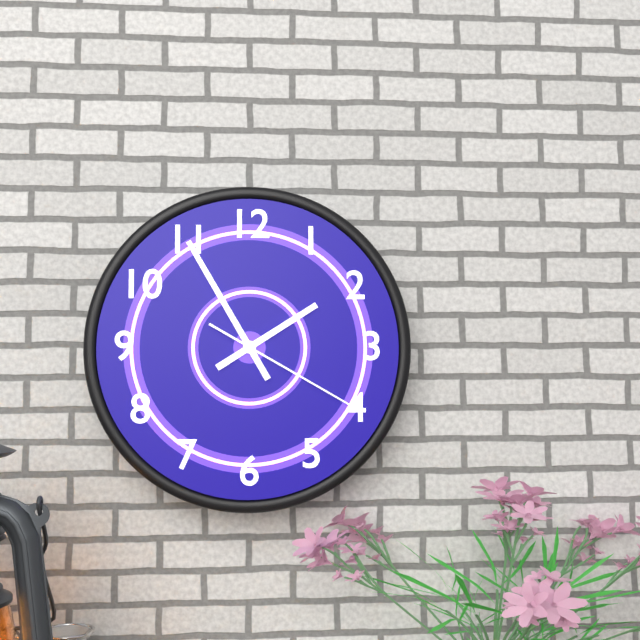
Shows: 1:55:20
